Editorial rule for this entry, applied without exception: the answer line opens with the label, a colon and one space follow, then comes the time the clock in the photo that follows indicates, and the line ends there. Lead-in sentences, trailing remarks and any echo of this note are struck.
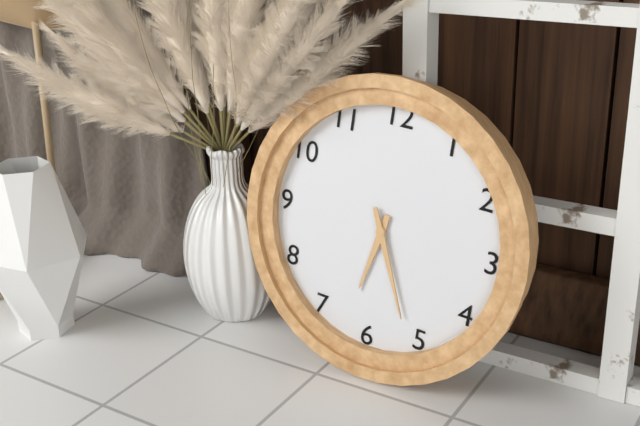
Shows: 6:26
